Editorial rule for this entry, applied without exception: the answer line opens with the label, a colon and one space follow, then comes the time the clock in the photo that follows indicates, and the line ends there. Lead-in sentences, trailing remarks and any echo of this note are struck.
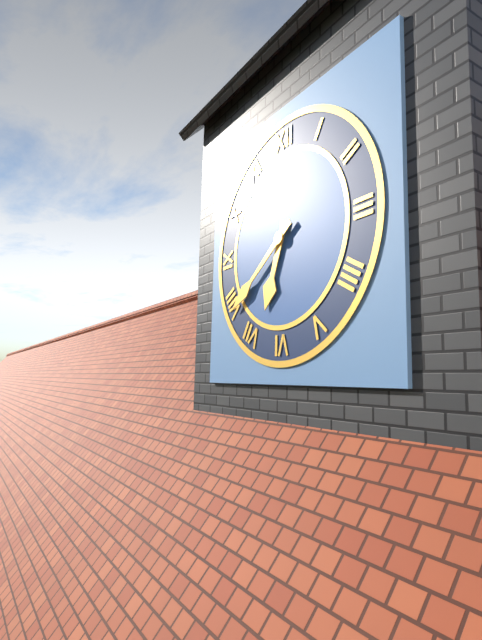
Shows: 6:39
